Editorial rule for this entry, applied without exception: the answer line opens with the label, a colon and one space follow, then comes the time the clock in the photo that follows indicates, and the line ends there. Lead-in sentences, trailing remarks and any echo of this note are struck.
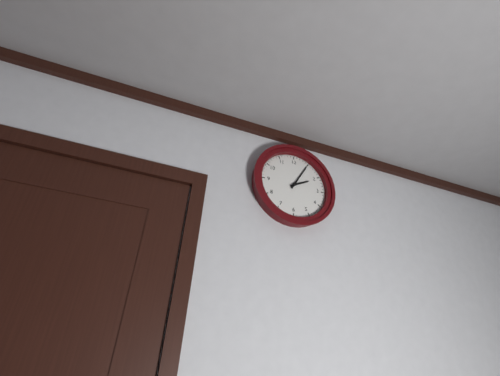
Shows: 2:05
